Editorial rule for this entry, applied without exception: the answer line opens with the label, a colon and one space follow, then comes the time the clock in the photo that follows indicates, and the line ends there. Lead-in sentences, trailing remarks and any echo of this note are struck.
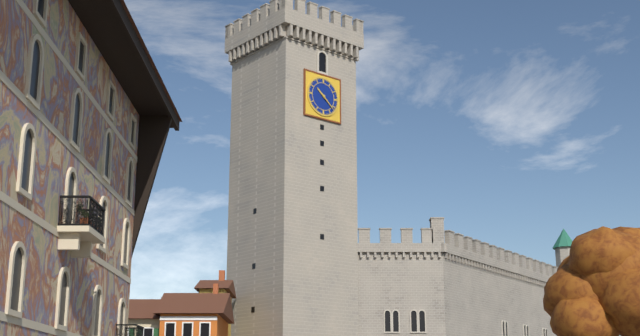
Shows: 10:22
